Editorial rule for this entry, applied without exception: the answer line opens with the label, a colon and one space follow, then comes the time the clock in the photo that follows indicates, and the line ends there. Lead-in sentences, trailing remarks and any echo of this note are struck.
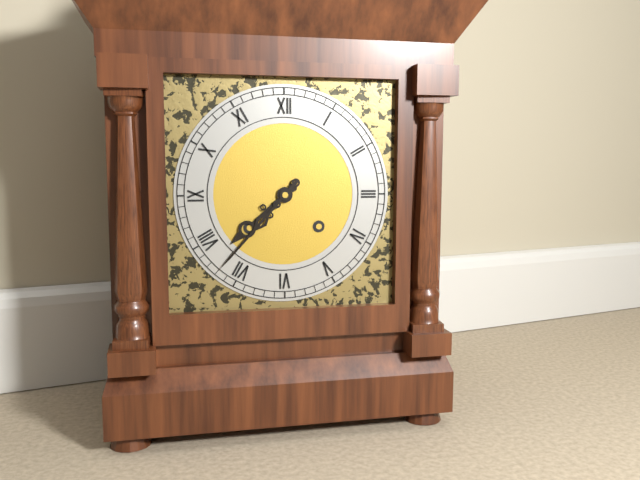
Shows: 7:37
